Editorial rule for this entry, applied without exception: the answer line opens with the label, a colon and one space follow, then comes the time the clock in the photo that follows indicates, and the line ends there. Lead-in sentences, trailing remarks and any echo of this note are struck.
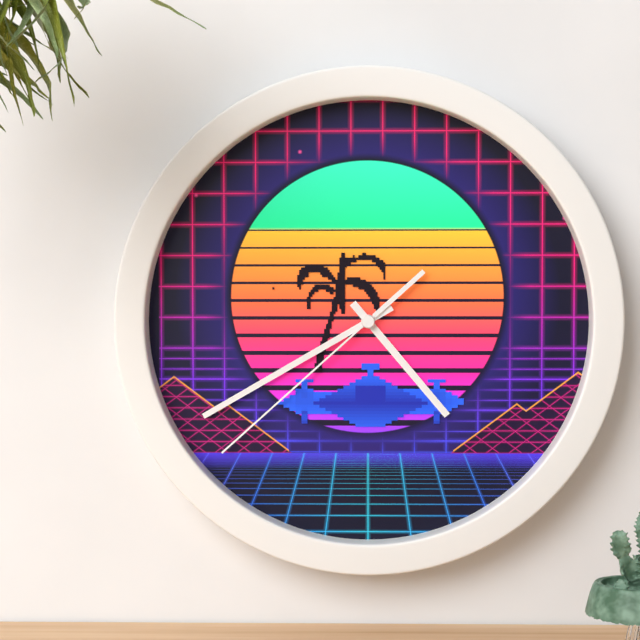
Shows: 4:40:38
